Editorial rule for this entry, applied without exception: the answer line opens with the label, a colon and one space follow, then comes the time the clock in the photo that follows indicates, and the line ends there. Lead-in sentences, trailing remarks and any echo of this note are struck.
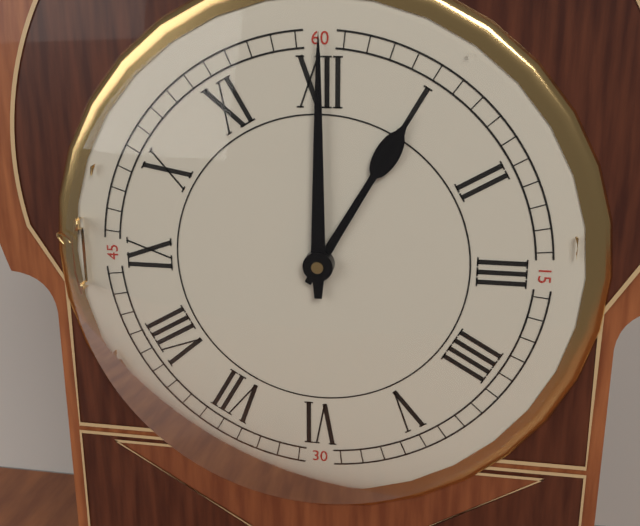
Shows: 1:00
